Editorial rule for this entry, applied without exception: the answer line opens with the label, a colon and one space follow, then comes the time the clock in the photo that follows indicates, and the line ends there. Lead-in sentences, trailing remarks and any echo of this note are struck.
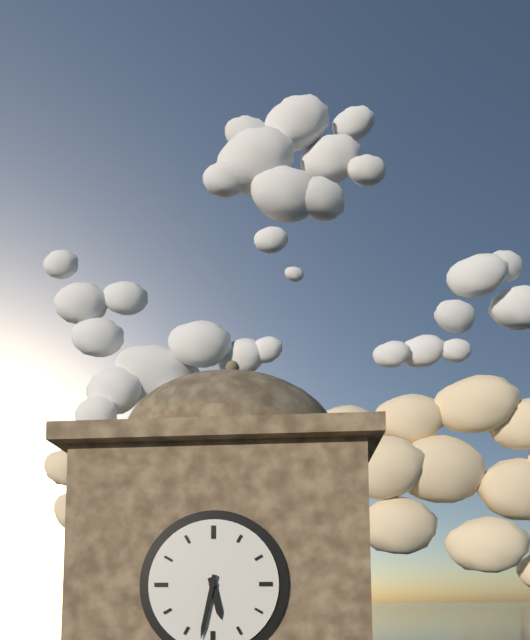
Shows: 5:32
